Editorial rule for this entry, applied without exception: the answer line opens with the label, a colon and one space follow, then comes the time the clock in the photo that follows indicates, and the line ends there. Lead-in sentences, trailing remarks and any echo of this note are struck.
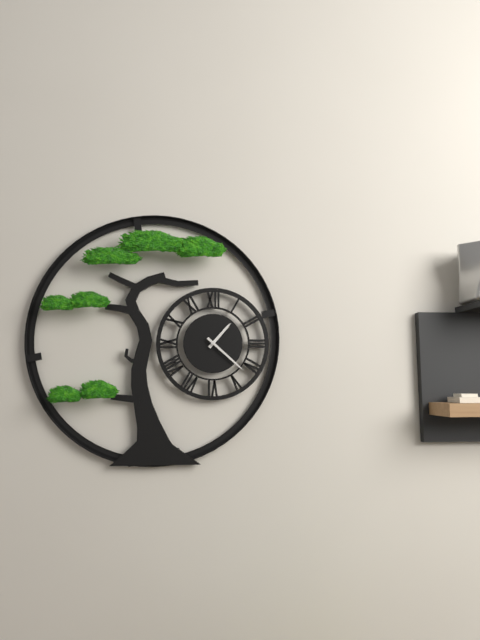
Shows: 1:22
